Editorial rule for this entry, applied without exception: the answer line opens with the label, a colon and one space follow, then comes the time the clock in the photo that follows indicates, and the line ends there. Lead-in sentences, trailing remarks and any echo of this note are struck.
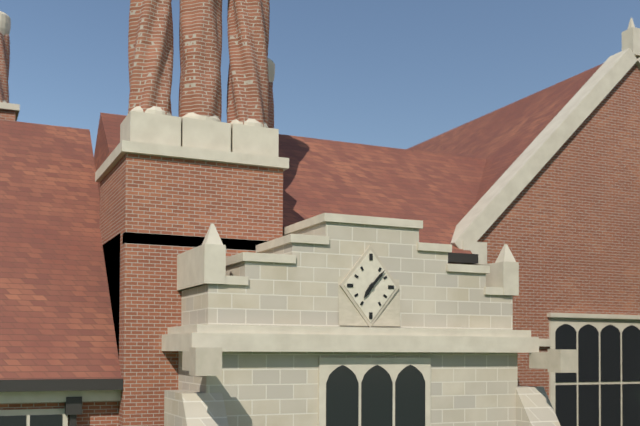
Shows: 7:07
